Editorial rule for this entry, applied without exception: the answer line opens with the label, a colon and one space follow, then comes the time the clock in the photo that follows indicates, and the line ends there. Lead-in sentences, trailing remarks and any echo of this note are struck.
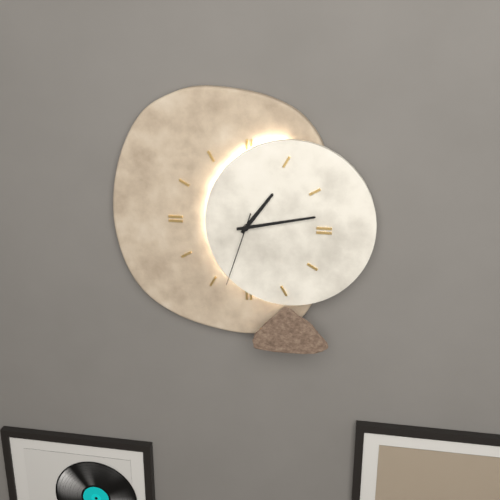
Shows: 1:13:33
